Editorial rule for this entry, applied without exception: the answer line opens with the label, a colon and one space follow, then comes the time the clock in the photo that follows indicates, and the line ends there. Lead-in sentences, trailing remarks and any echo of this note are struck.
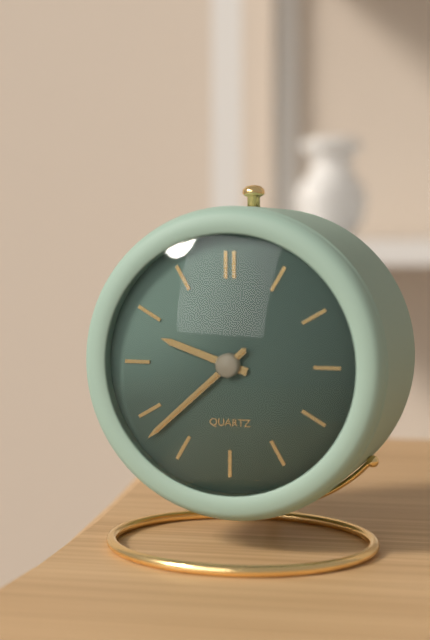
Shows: 9:38:38
